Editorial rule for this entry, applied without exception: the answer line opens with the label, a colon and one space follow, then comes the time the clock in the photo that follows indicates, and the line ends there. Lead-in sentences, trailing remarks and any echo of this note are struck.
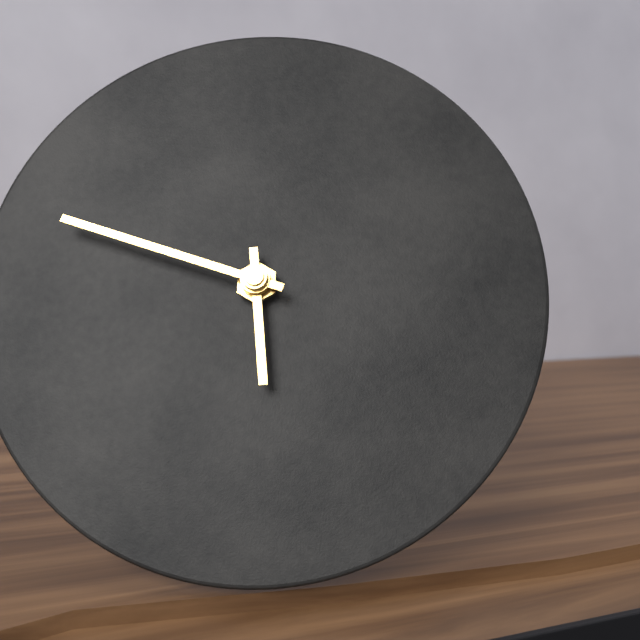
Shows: 5:48
